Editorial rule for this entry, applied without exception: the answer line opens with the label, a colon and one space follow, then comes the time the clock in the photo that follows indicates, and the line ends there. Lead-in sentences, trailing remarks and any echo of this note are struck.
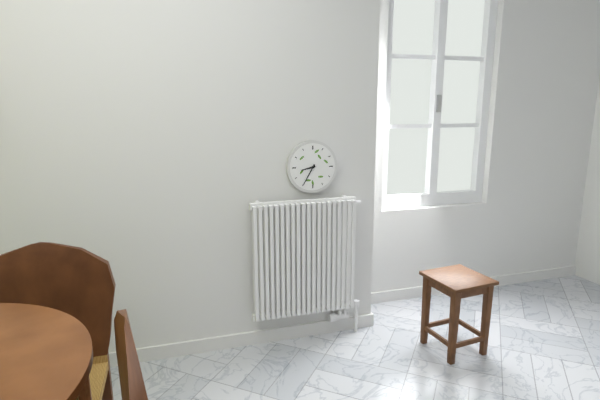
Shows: 8:35
